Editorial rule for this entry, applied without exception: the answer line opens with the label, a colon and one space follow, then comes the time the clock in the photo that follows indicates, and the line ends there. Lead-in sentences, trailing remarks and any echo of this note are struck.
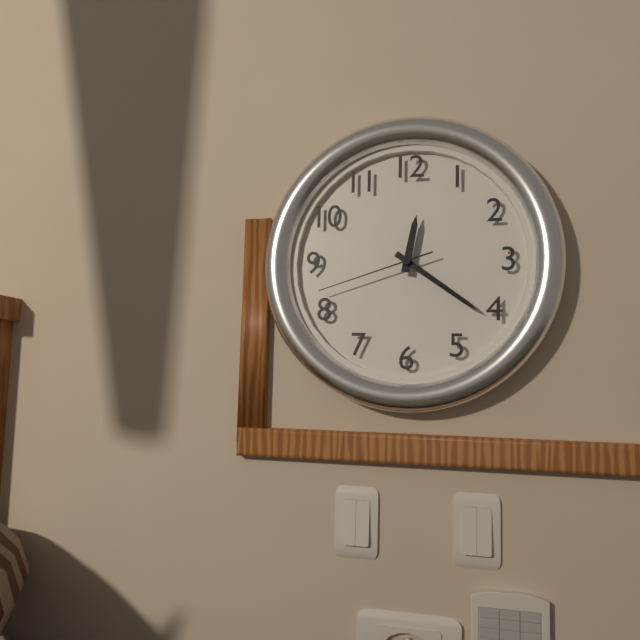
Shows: 12:21:42
